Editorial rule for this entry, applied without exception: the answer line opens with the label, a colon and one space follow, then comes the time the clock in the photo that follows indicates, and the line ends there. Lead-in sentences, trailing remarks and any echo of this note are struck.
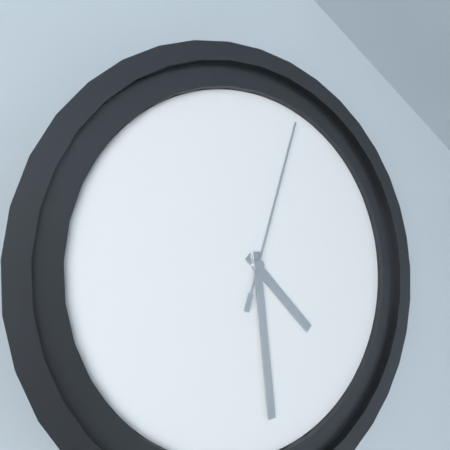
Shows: 4:29:03
